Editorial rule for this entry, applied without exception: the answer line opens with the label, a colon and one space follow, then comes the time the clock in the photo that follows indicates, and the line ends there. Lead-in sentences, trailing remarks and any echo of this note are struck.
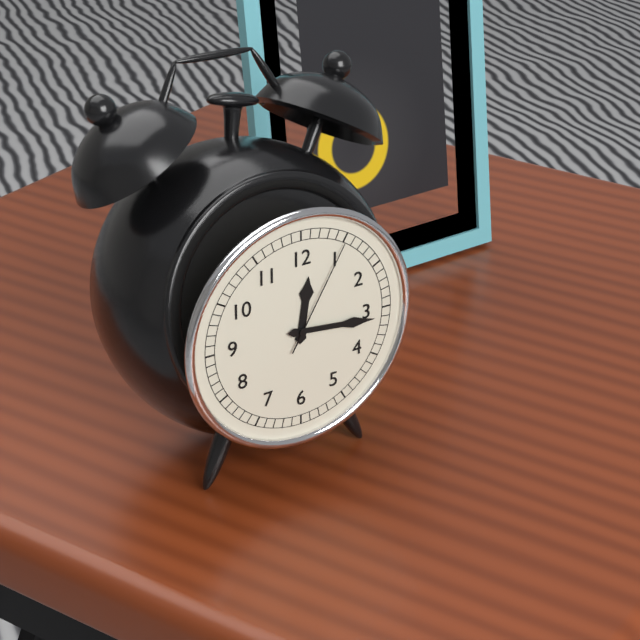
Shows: 12:16:05
